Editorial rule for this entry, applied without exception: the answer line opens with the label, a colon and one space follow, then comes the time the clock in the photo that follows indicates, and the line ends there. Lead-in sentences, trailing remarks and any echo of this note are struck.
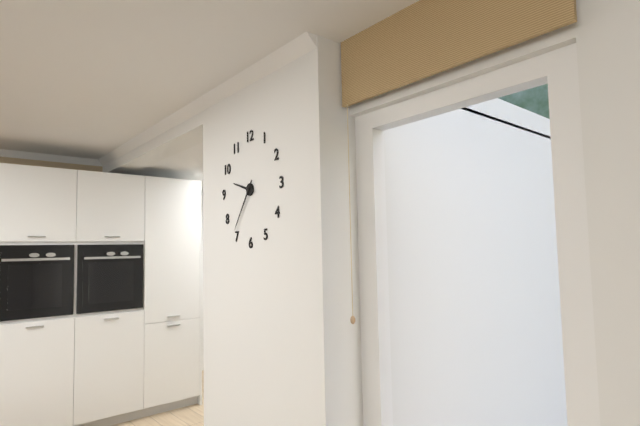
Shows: 9:36
